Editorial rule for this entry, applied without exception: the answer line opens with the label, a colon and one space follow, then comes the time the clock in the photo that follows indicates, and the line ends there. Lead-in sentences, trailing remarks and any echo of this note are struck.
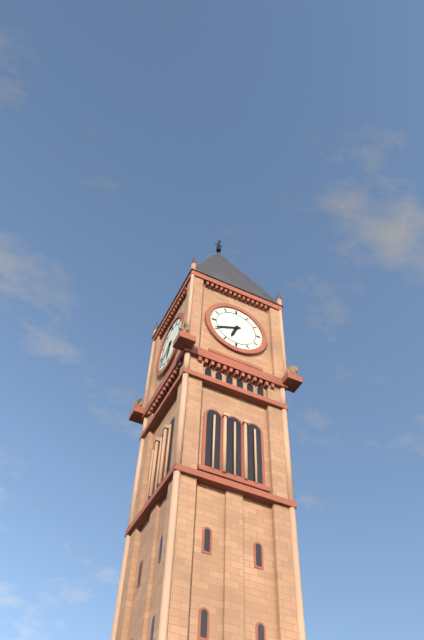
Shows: 6:41
